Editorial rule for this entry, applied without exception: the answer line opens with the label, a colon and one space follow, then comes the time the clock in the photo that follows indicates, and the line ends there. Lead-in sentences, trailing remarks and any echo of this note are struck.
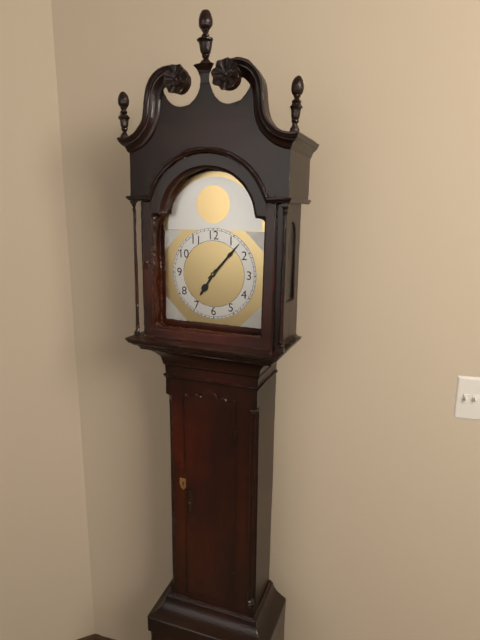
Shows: 7:07
